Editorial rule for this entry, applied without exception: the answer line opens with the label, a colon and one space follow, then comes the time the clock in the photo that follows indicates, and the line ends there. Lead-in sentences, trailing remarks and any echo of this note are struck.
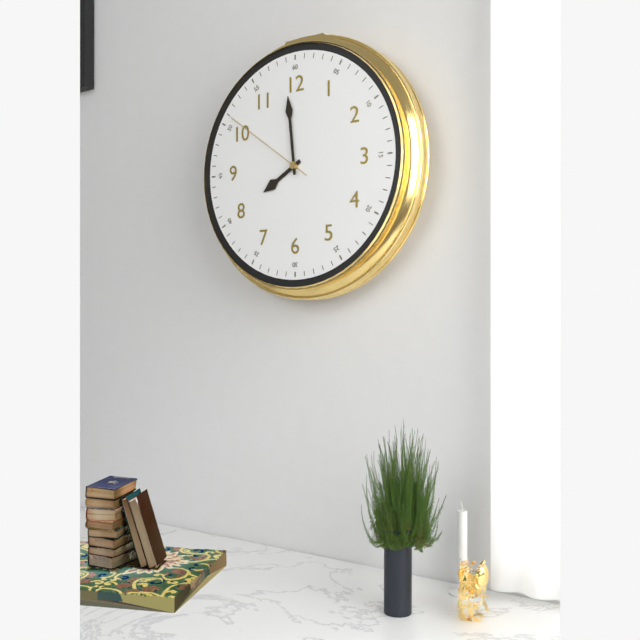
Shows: 7:59:51
